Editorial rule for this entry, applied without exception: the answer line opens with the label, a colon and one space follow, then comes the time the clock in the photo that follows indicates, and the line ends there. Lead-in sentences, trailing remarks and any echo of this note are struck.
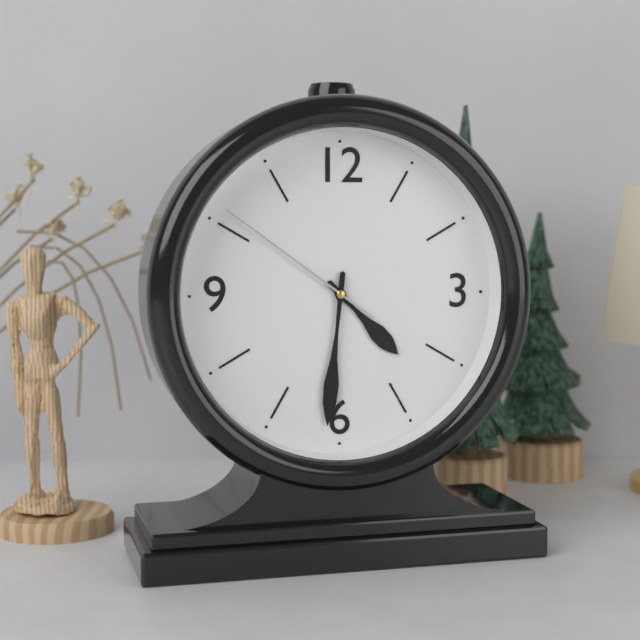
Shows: 4:31:51
